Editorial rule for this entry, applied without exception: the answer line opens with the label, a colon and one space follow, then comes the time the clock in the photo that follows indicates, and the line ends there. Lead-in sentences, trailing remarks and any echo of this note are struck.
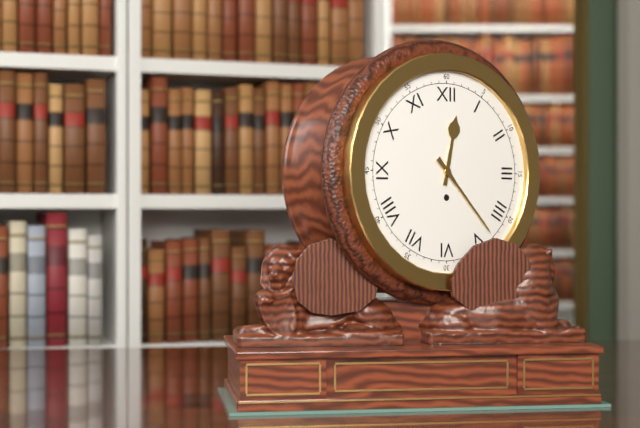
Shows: 12:23
